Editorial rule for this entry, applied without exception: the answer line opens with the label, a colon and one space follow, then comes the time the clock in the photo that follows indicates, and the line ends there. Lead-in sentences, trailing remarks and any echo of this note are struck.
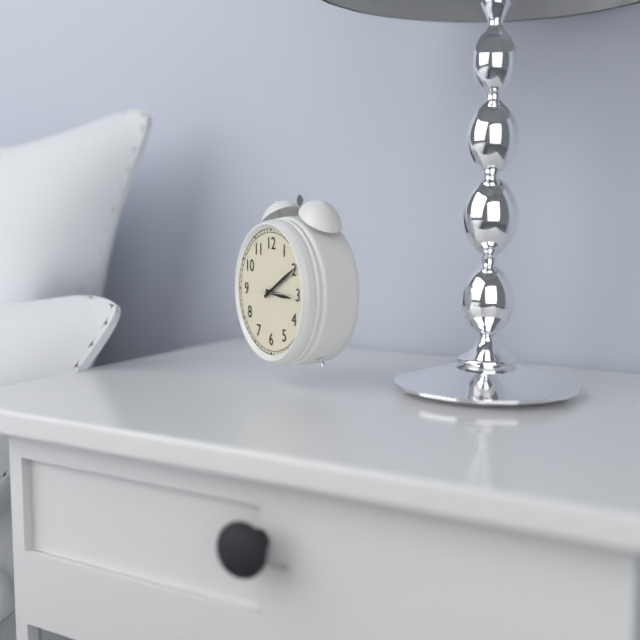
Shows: 3:10
